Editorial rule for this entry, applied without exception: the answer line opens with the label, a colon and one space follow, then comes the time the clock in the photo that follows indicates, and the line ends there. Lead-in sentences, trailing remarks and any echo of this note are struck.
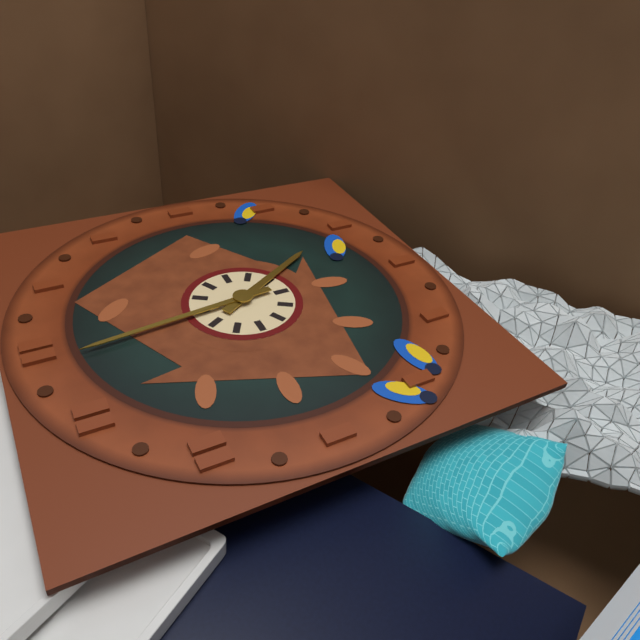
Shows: 4:59
